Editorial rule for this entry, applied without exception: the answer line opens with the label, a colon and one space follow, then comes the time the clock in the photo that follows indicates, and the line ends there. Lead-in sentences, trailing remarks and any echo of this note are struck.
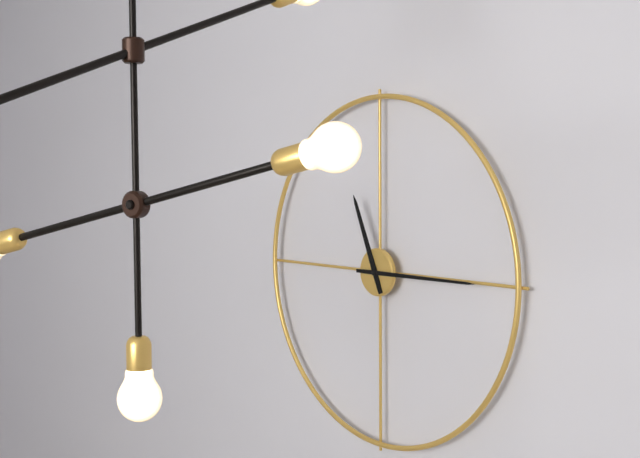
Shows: 11:15
